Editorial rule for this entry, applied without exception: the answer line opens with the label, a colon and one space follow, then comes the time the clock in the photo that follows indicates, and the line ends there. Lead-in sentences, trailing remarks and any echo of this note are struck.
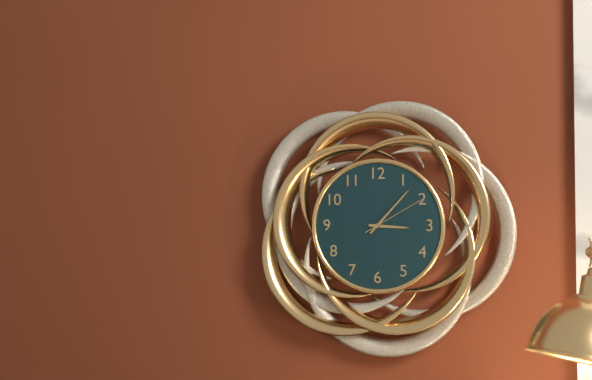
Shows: 3:07:10
